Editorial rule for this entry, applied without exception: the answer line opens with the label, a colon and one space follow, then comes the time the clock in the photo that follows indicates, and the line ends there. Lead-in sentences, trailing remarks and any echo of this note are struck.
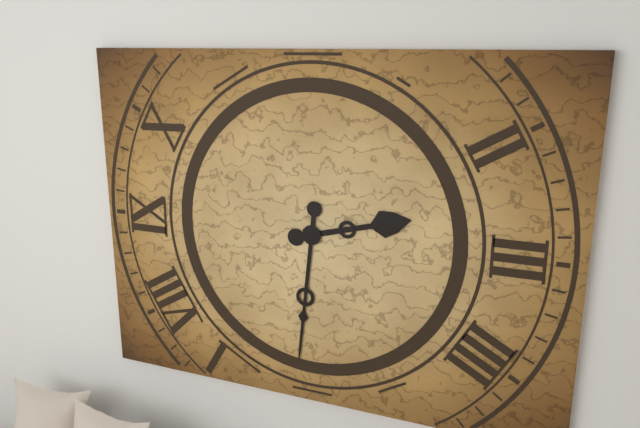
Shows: 2:31
